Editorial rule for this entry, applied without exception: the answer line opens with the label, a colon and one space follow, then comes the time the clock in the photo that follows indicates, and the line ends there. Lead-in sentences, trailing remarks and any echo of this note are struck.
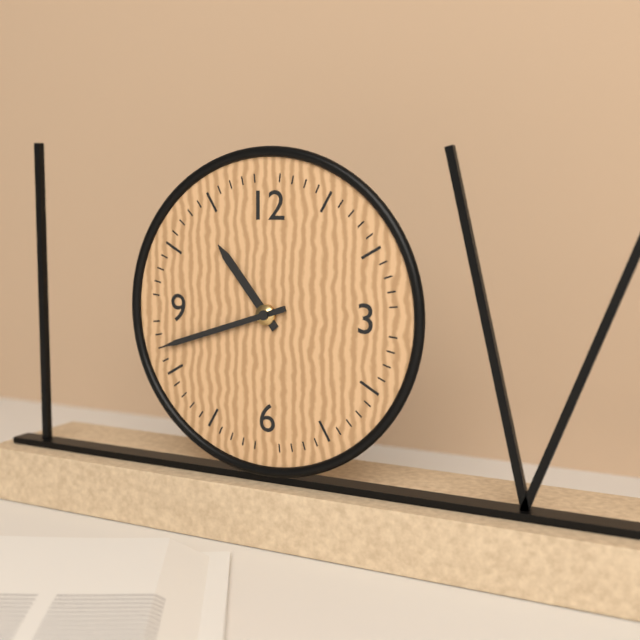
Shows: 10:42
